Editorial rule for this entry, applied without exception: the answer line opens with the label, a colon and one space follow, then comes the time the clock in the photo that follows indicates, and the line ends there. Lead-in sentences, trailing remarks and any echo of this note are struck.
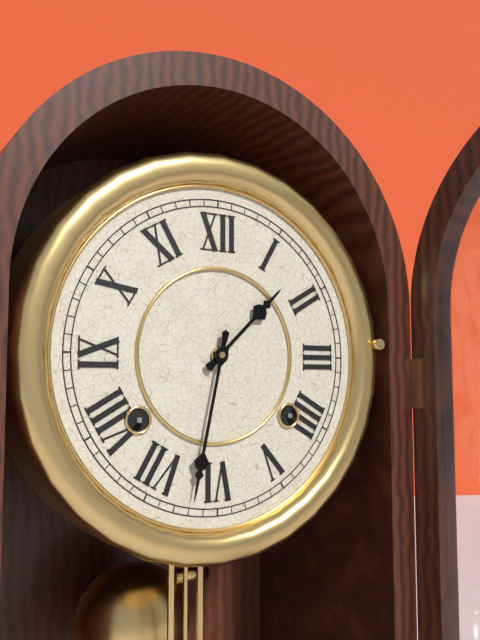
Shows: 1:32
